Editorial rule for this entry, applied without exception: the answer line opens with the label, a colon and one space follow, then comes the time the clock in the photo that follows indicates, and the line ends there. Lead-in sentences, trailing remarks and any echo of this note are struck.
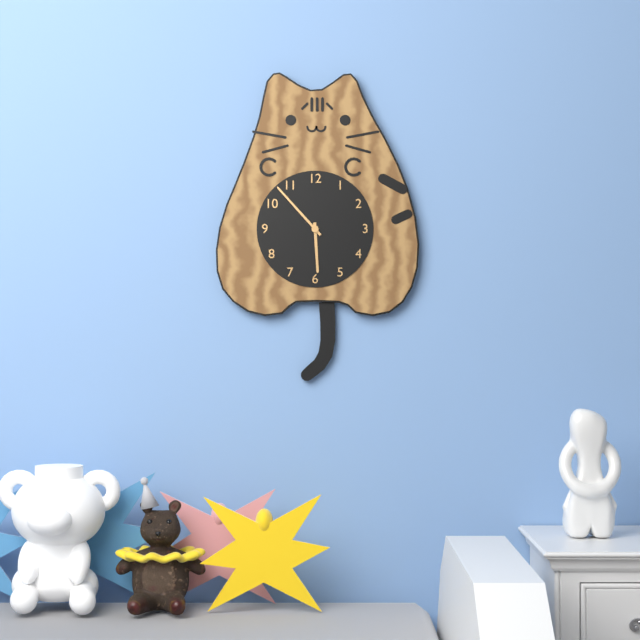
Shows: 5:53
